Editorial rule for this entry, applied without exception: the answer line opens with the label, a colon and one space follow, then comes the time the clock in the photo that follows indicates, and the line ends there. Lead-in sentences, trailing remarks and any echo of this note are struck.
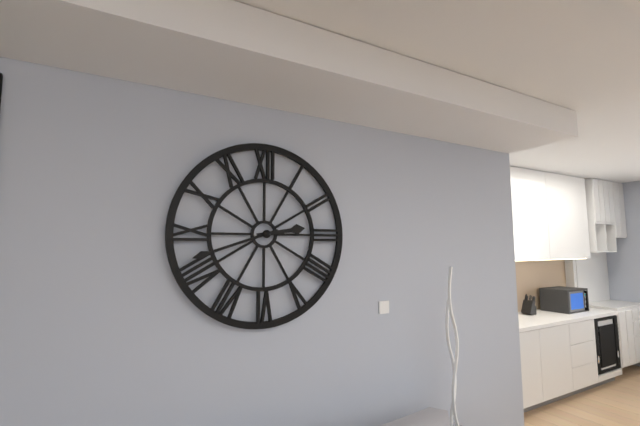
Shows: 2:42
